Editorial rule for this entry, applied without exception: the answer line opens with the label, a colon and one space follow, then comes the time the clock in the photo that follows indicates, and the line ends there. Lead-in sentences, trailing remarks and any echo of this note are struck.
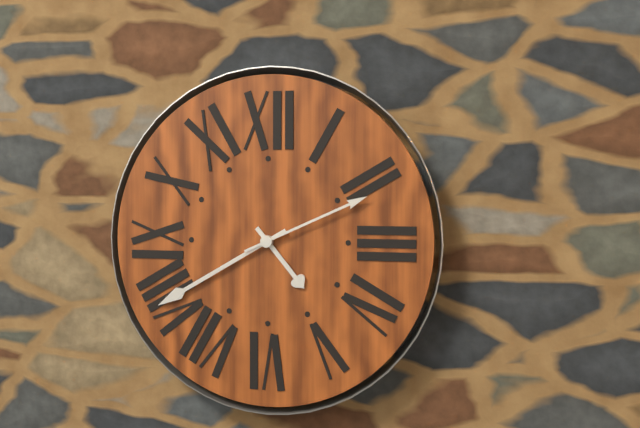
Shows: 4:40:11
